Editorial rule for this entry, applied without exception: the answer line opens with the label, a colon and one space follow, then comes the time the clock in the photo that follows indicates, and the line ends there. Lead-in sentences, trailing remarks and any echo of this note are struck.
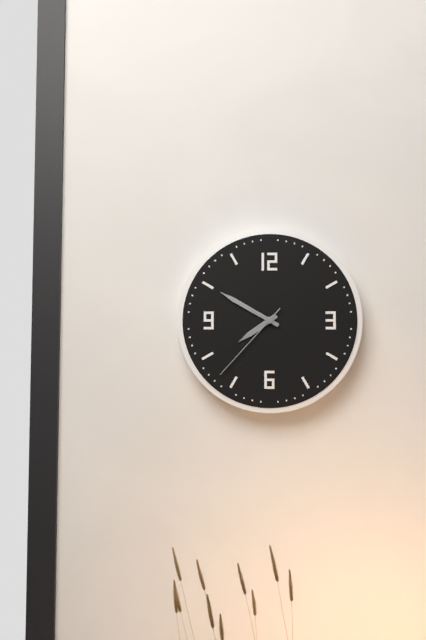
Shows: 7:50:37
